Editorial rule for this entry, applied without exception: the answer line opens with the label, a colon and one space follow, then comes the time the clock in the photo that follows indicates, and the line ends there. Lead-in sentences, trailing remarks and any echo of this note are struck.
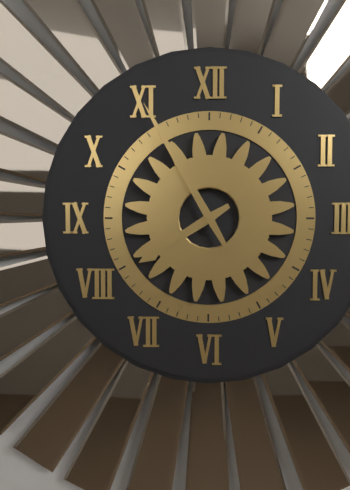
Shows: 7:55
